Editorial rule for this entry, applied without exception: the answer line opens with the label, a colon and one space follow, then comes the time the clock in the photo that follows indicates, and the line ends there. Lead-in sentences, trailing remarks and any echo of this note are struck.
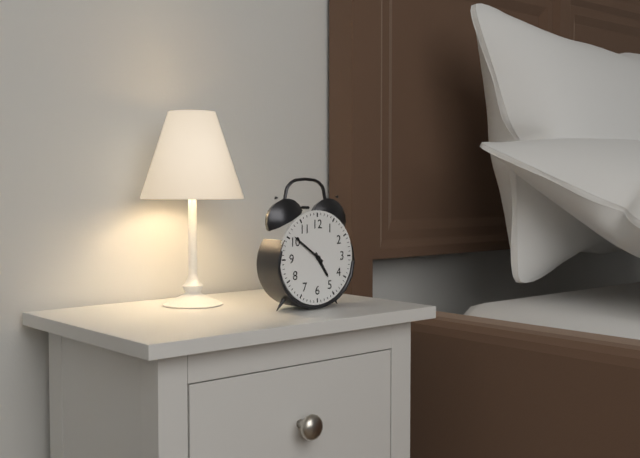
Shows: 4:51
